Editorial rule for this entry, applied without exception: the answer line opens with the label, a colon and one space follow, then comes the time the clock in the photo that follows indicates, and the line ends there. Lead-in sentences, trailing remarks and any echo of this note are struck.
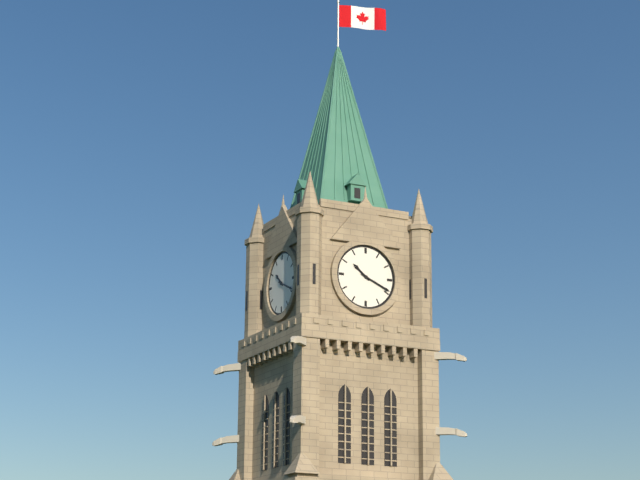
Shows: 10:19
